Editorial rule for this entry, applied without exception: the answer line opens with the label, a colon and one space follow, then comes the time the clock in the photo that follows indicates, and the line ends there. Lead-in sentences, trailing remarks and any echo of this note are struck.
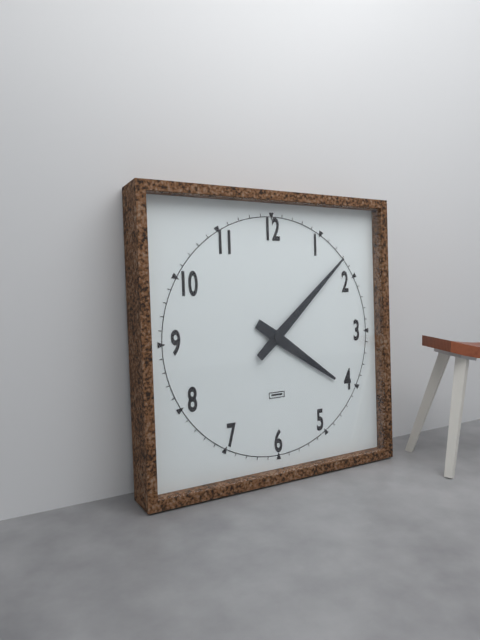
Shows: 4:08
